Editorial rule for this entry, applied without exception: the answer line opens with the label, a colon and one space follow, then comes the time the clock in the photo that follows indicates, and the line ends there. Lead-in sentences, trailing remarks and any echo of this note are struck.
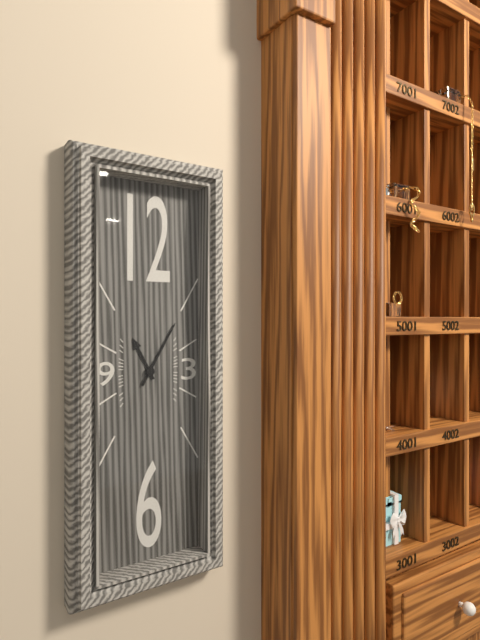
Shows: 11:05
